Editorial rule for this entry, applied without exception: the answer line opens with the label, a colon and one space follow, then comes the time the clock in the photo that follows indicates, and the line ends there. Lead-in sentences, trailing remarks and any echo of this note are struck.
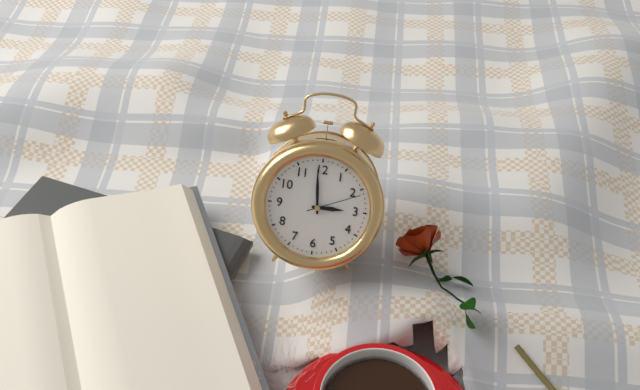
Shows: 2:59:11
